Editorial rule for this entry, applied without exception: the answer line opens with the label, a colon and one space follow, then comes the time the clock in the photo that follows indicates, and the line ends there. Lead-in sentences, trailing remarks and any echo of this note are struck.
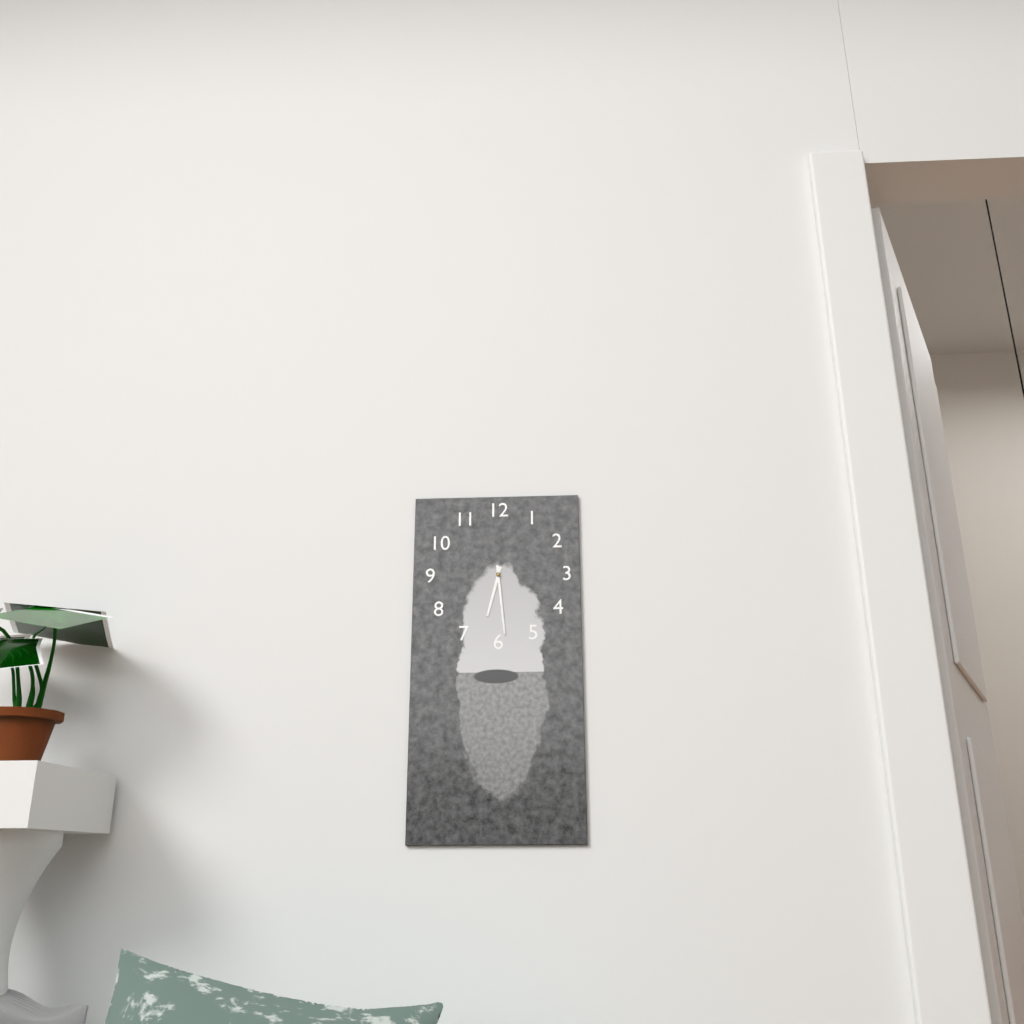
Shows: 6:29
